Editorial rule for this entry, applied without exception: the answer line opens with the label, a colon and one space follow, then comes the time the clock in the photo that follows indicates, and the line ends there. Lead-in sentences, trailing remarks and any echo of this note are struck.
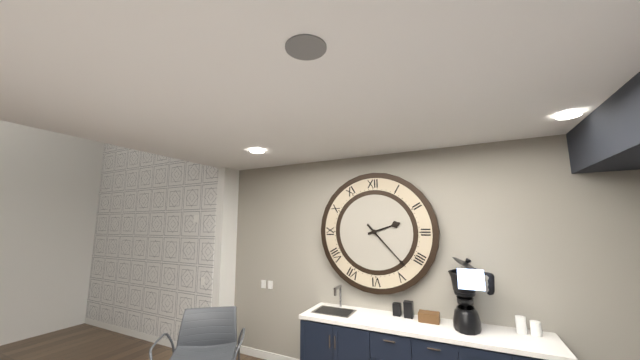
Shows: 2:23
